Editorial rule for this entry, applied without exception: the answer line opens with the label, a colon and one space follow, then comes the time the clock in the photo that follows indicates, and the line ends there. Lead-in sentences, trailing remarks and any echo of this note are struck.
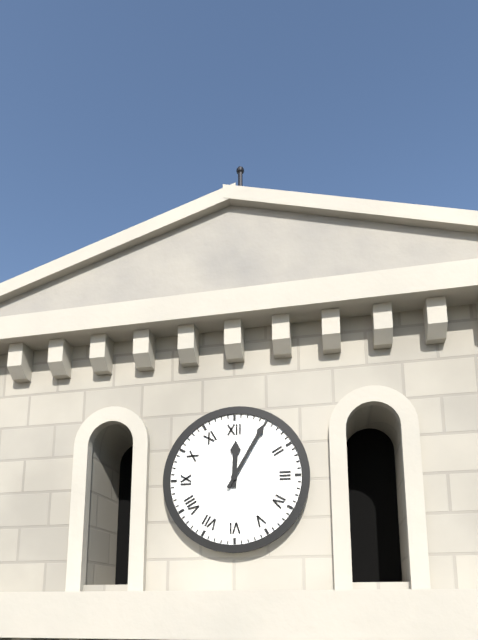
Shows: 12:05
